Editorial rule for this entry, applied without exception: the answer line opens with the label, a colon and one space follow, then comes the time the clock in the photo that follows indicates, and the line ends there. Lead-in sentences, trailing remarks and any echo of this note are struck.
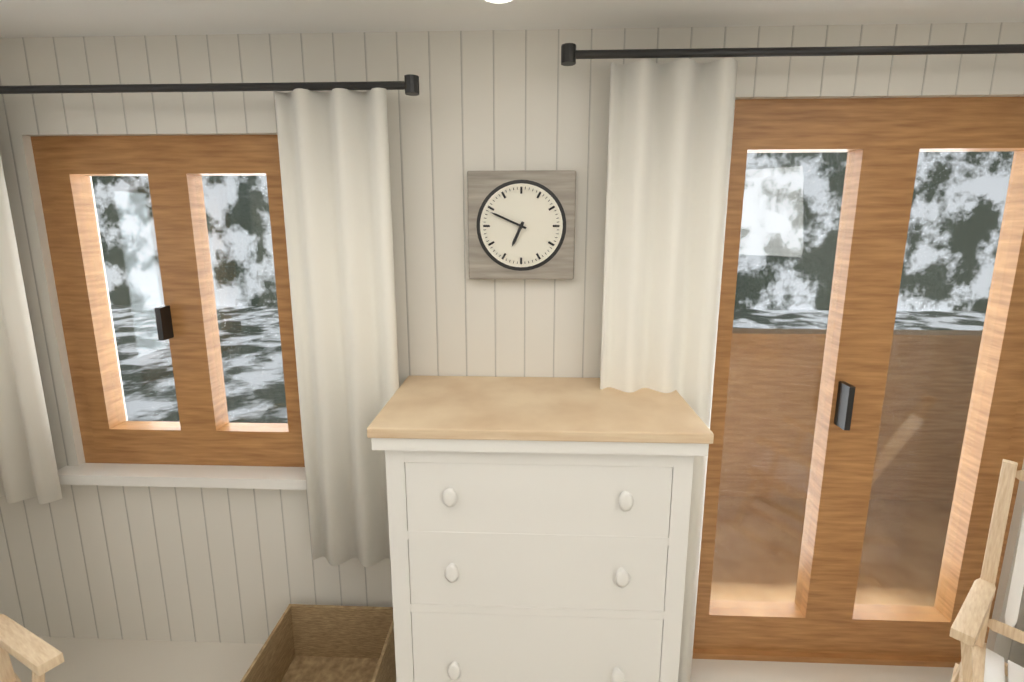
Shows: 6:49
